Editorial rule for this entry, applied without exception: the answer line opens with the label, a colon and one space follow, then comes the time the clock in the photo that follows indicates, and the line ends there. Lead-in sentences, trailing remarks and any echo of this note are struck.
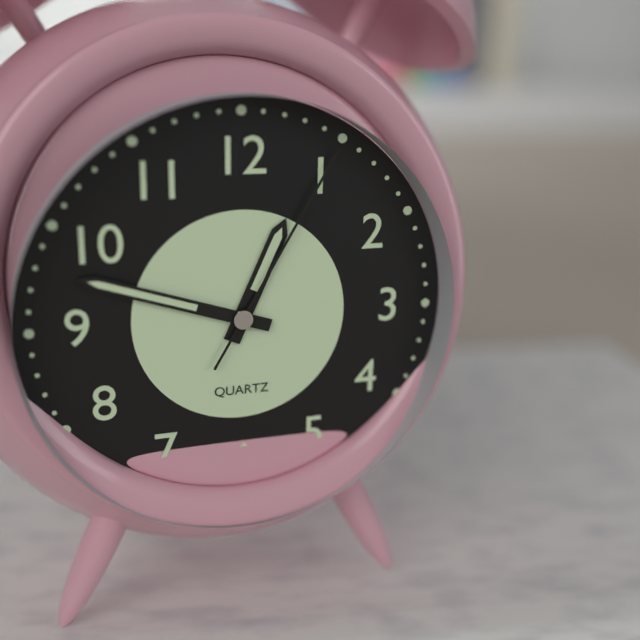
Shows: 12:48:05
